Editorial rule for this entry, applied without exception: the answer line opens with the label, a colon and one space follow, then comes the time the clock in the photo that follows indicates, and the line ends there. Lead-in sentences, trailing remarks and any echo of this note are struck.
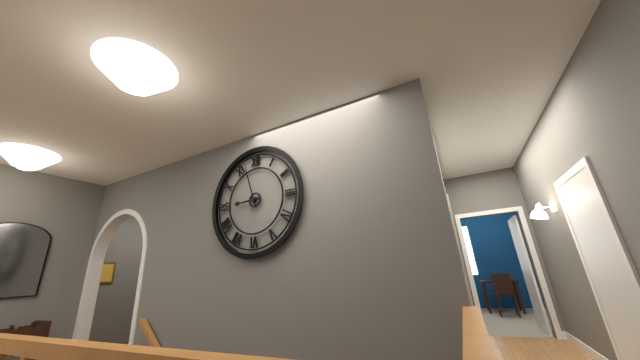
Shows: 8:57
